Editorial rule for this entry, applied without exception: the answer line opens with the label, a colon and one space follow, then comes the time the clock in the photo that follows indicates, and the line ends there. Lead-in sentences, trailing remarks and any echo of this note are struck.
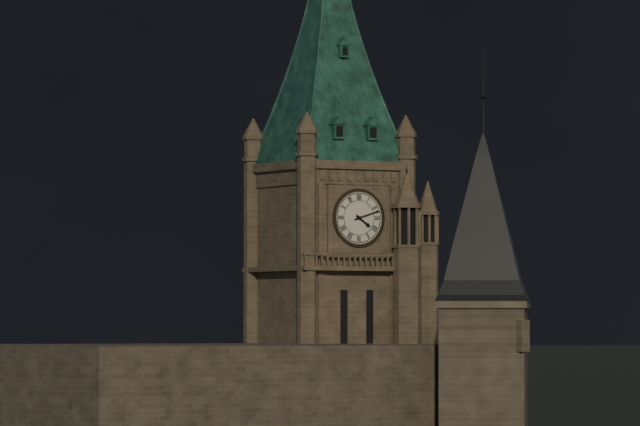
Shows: 4:12
